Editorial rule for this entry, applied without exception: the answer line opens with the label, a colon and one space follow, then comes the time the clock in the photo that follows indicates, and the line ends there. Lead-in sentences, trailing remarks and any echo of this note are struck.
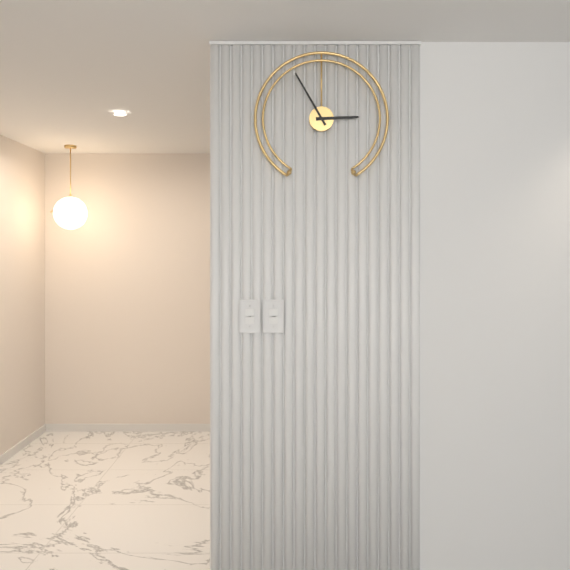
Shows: 2:55
